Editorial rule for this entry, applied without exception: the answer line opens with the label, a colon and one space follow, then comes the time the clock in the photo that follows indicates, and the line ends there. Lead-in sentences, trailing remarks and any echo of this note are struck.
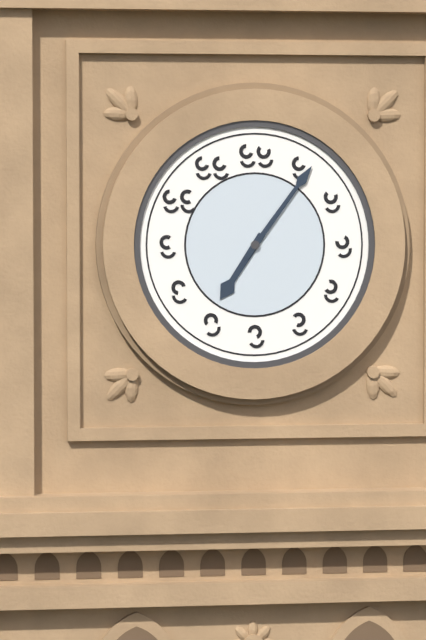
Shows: 7:06
